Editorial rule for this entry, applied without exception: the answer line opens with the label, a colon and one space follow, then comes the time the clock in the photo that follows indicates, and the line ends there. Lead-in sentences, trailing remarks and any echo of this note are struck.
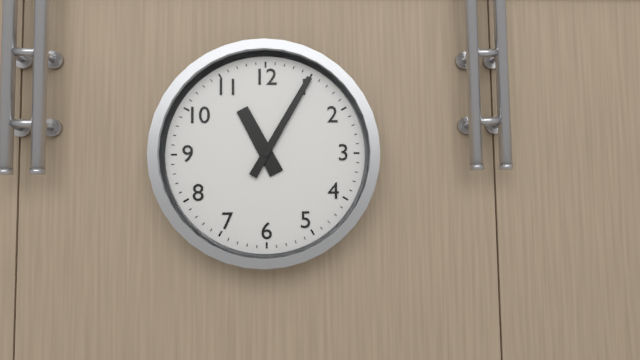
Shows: 11:05
